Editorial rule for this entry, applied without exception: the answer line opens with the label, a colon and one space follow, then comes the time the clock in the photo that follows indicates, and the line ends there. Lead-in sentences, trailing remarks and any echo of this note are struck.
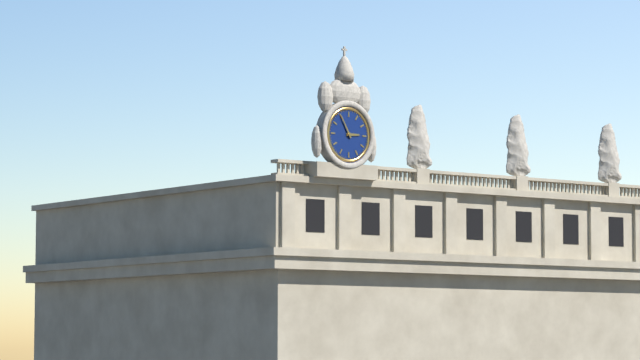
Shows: 2:55
